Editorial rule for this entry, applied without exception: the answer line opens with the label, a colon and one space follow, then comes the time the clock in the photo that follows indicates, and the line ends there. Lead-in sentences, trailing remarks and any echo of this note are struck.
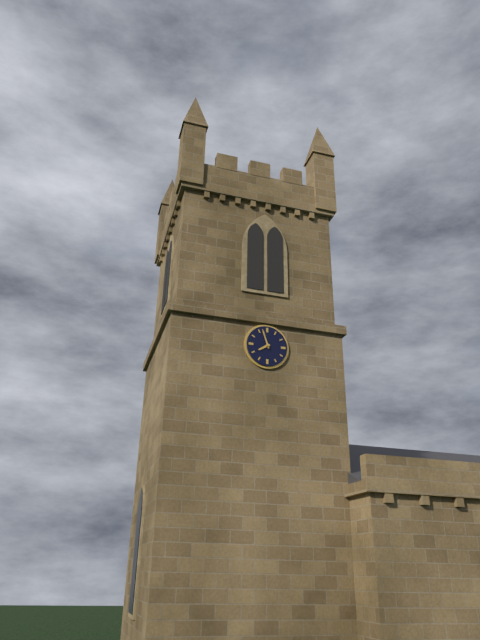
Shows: 7:57
